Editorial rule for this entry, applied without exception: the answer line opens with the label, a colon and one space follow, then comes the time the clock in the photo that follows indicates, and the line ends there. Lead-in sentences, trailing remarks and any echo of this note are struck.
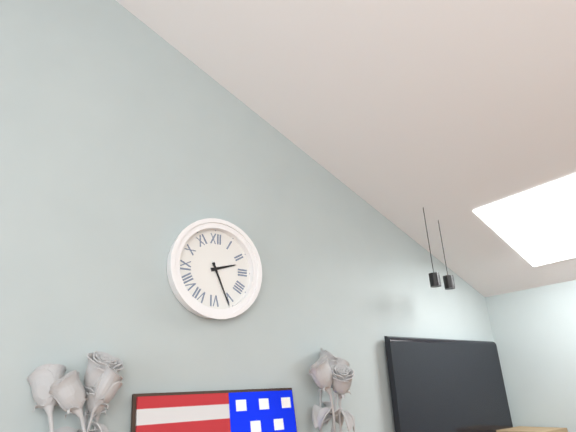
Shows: 2:26
